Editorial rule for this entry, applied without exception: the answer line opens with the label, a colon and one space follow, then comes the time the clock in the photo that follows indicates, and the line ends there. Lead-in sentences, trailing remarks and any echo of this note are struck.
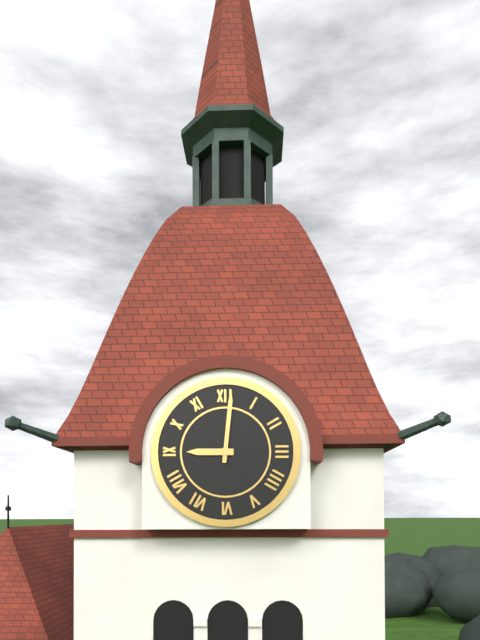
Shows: 9:01
